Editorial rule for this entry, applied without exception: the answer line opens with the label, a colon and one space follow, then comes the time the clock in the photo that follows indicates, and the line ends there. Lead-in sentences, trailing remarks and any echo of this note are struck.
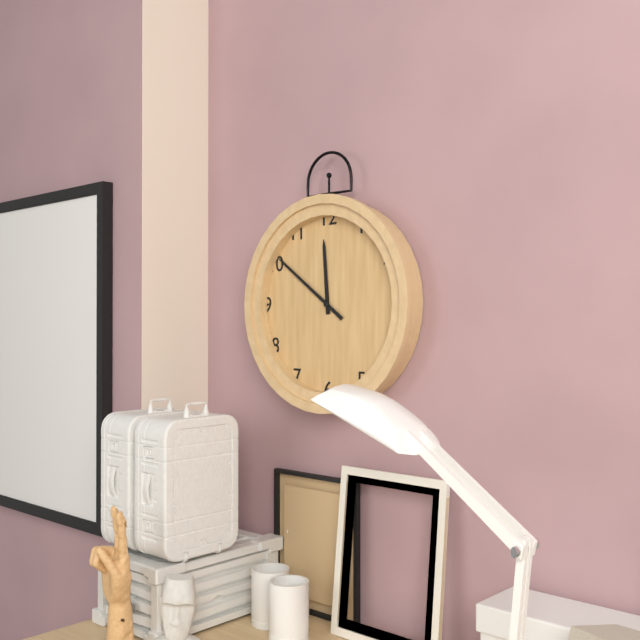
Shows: 11:51
